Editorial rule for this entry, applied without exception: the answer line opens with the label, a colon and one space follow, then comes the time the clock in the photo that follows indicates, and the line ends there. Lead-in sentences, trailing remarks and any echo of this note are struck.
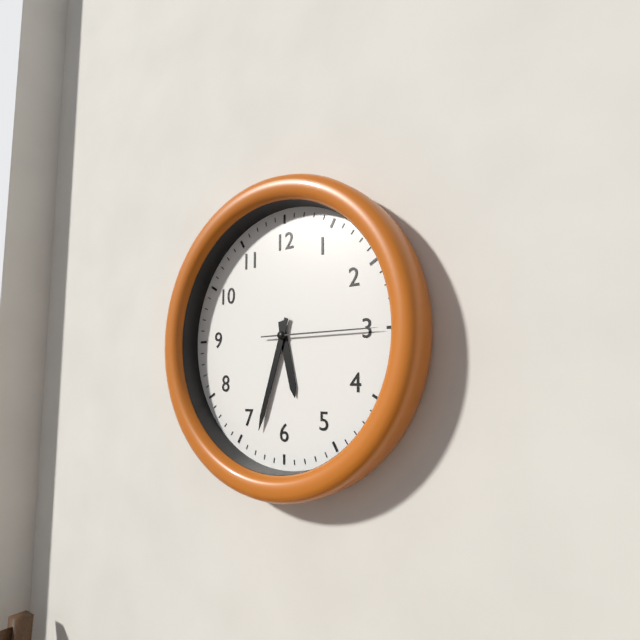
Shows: 5:33:15
